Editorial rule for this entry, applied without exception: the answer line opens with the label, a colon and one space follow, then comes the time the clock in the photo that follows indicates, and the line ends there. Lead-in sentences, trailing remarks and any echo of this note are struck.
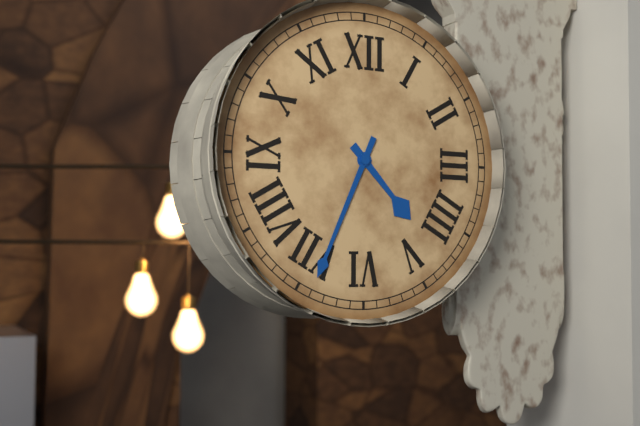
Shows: 4:34
